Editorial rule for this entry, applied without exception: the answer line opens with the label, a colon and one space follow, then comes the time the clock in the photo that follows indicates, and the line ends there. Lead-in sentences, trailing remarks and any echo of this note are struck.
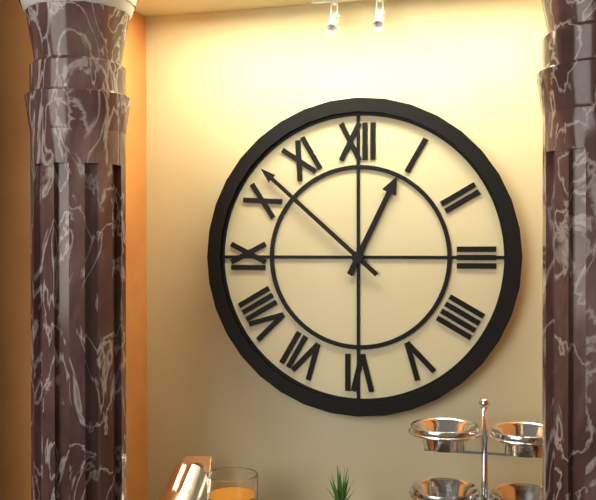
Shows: 12:52
